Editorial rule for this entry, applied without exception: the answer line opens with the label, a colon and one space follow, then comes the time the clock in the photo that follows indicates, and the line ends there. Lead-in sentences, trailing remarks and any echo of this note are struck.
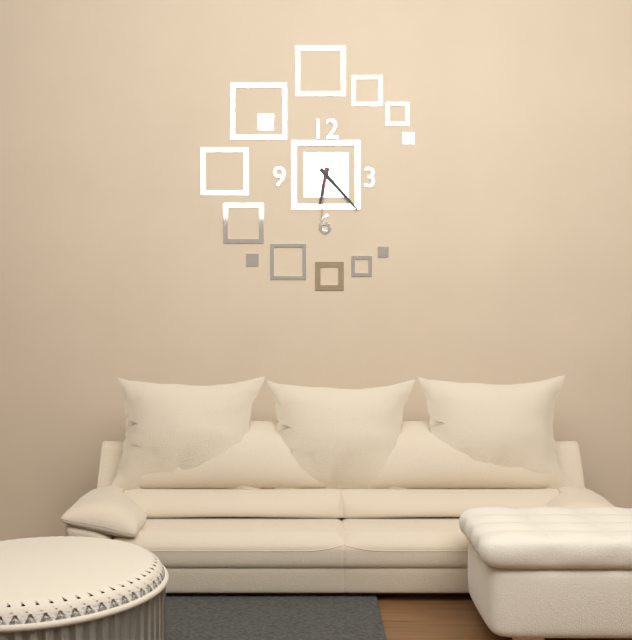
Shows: 6:23:31
